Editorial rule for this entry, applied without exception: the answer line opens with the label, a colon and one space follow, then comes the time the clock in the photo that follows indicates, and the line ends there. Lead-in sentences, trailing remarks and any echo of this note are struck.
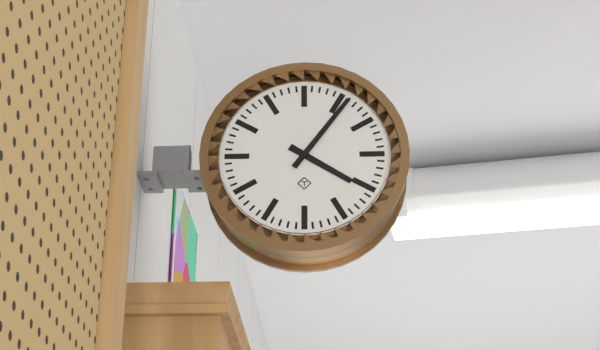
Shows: 4:06
